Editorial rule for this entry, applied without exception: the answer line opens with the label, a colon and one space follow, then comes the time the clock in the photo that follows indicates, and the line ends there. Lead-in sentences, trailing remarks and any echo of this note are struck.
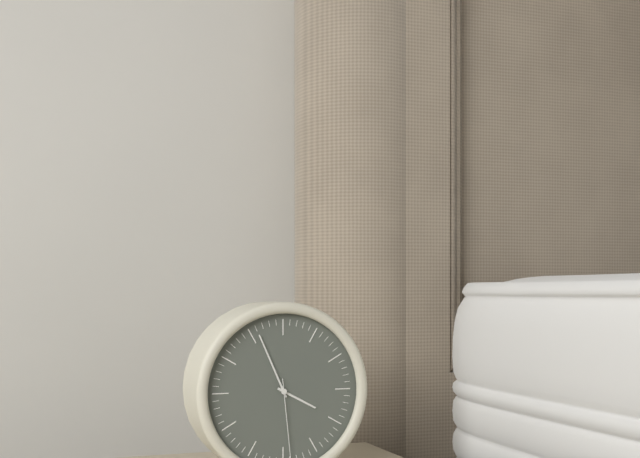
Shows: 3:56
